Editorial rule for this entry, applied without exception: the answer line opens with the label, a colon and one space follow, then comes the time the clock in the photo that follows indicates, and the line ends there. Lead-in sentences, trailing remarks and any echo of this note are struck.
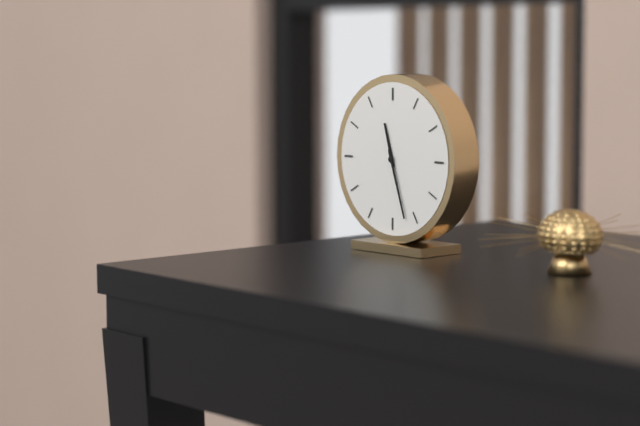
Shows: 11:27
